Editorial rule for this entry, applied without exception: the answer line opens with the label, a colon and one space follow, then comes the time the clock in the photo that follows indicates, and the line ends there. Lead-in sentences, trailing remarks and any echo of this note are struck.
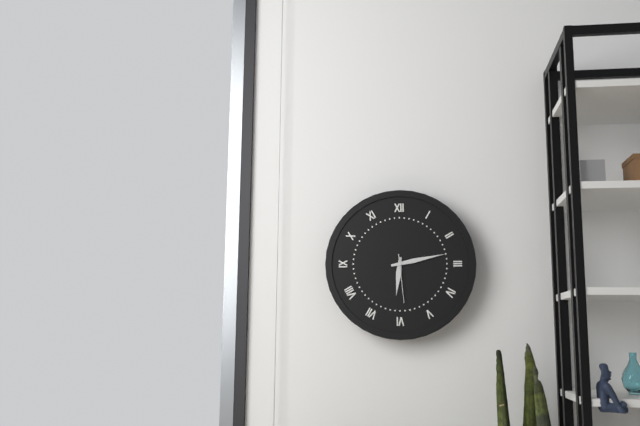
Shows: 6:13
